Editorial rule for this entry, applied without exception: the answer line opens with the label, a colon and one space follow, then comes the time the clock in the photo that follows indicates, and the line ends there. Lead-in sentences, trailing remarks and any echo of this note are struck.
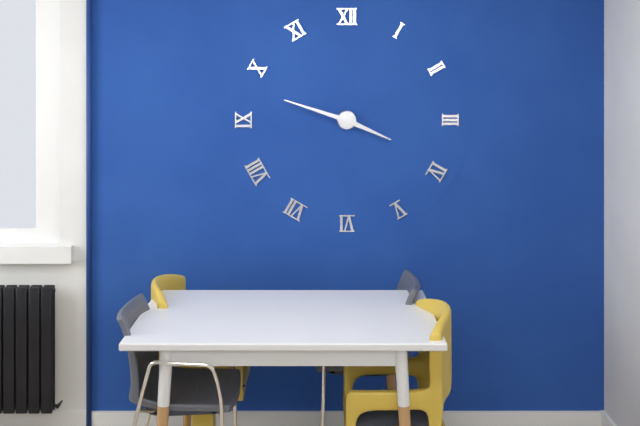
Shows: 3:48
